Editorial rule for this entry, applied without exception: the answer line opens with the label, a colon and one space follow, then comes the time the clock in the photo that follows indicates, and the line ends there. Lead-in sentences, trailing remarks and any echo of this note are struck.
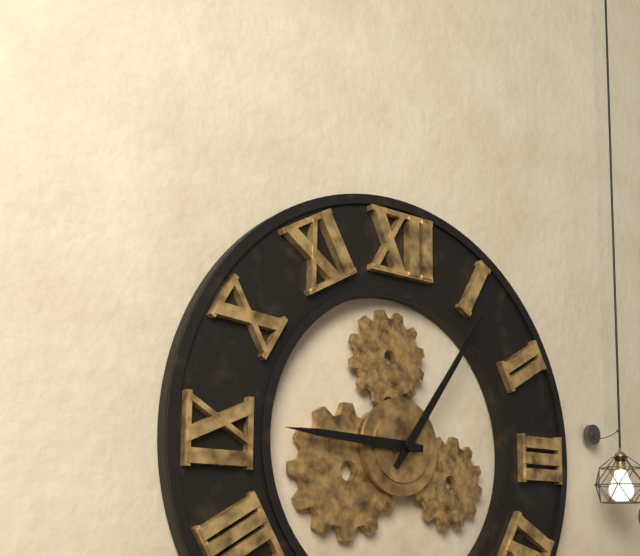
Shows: 9:06
